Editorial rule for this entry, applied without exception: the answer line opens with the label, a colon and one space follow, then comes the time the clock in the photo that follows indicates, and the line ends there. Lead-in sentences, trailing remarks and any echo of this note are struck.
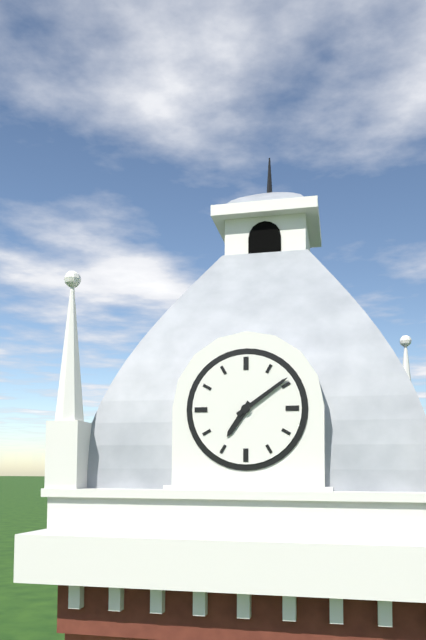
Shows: 7:09
